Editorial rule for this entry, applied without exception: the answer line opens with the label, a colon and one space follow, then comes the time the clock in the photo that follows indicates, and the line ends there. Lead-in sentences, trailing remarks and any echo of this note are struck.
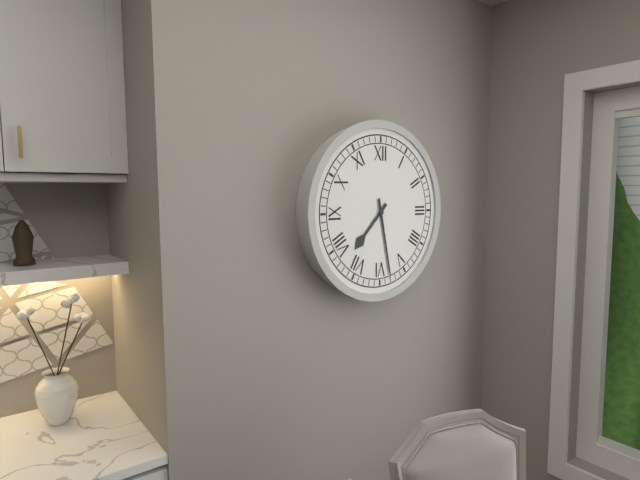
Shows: 7:28
